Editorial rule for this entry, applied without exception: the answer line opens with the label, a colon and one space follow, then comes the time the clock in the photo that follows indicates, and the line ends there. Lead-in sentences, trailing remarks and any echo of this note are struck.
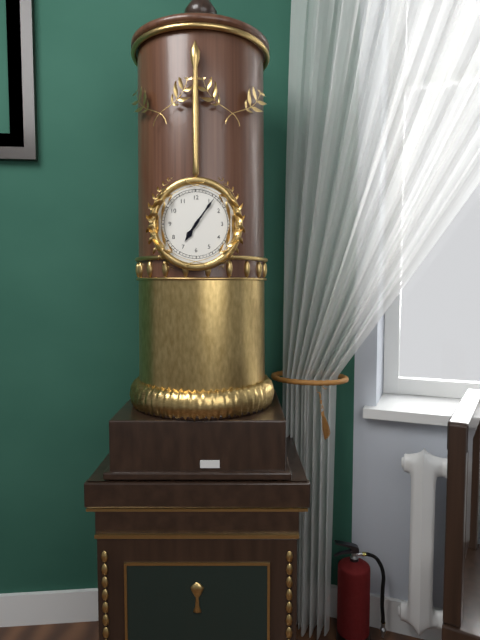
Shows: 7:06
